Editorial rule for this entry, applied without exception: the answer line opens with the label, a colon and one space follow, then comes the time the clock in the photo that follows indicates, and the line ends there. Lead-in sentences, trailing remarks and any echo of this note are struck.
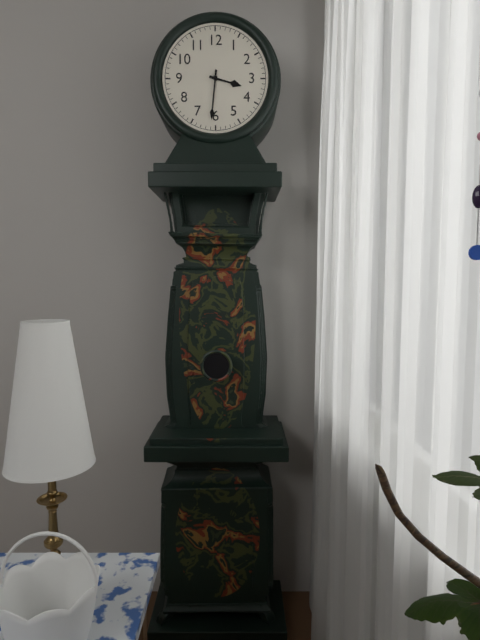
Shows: 3:31
